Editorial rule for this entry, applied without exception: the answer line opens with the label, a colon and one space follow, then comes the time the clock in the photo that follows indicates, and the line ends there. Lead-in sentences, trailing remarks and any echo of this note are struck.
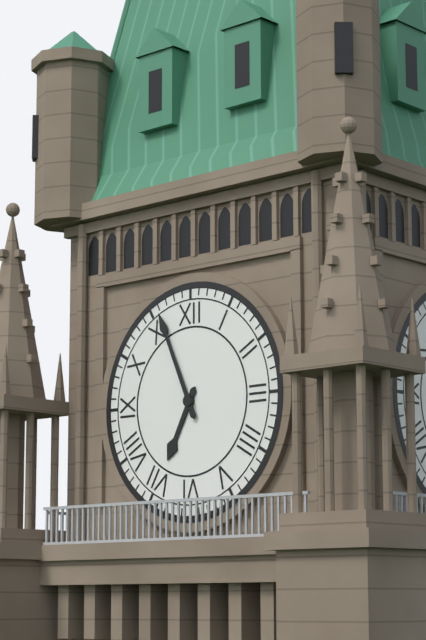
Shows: 6:56
